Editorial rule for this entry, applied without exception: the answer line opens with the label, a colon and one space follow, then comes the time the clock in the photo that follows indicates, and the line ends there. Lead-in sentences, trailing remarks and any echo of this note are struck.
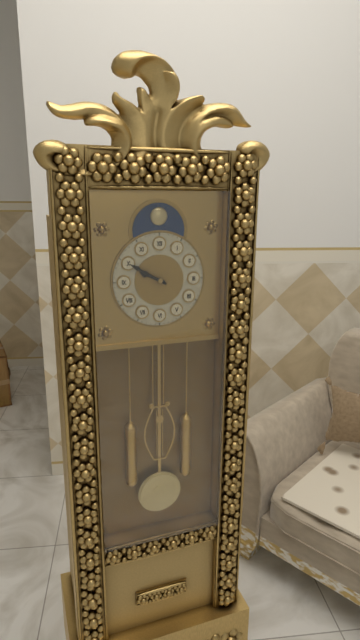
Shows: 9:50
